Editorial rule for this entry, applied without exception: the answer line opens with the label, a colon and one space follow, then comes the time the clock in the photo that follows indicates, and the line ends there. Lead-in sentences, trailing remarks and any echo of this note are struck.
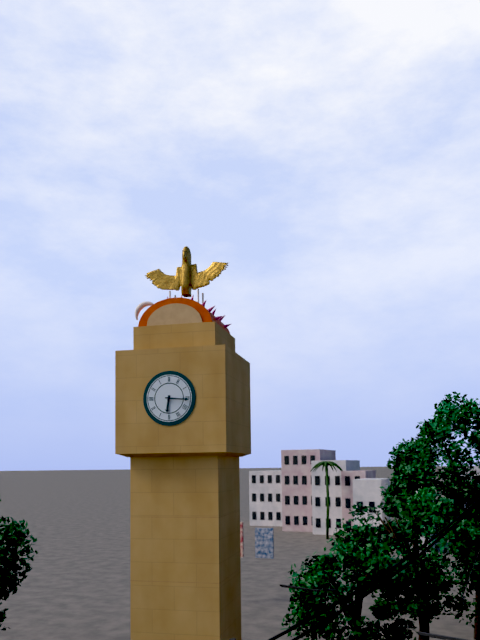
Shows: 6:16
